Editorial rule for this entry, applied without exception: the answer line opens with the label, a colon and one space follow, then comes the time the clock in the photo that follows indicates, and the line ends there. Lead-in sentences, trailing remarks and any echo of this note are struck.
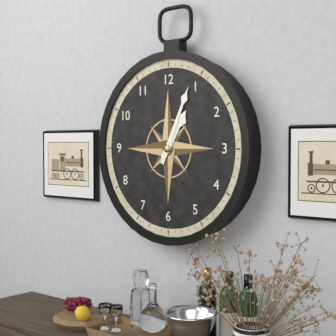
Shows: 1:04
